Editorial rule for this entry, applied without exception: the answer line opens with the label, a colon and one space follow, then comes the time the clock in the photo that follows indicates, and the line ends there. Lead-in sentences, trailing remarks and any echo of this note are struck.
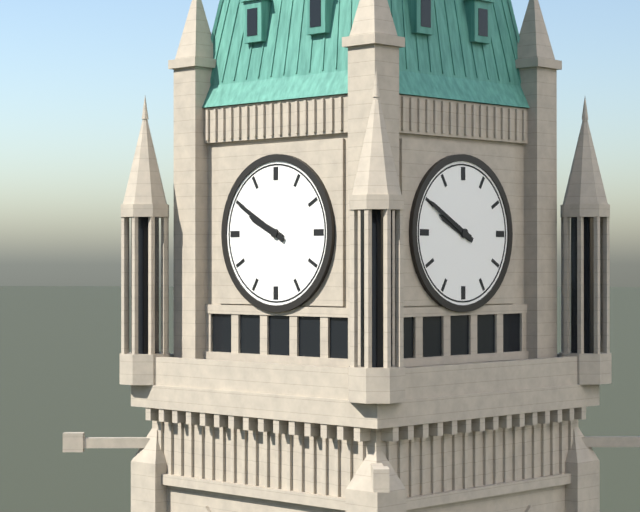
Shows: 9:50
